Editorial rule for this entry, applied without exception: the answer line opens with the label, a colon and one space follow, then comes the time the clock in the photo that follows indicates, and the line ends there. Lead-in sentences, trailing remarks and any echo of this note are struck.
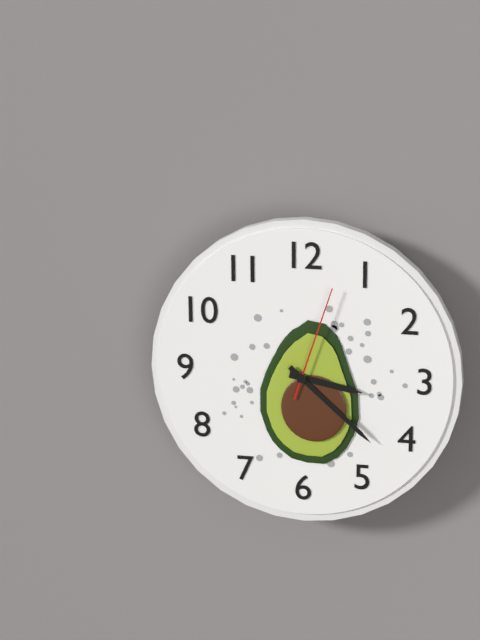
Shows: 3:22:03
